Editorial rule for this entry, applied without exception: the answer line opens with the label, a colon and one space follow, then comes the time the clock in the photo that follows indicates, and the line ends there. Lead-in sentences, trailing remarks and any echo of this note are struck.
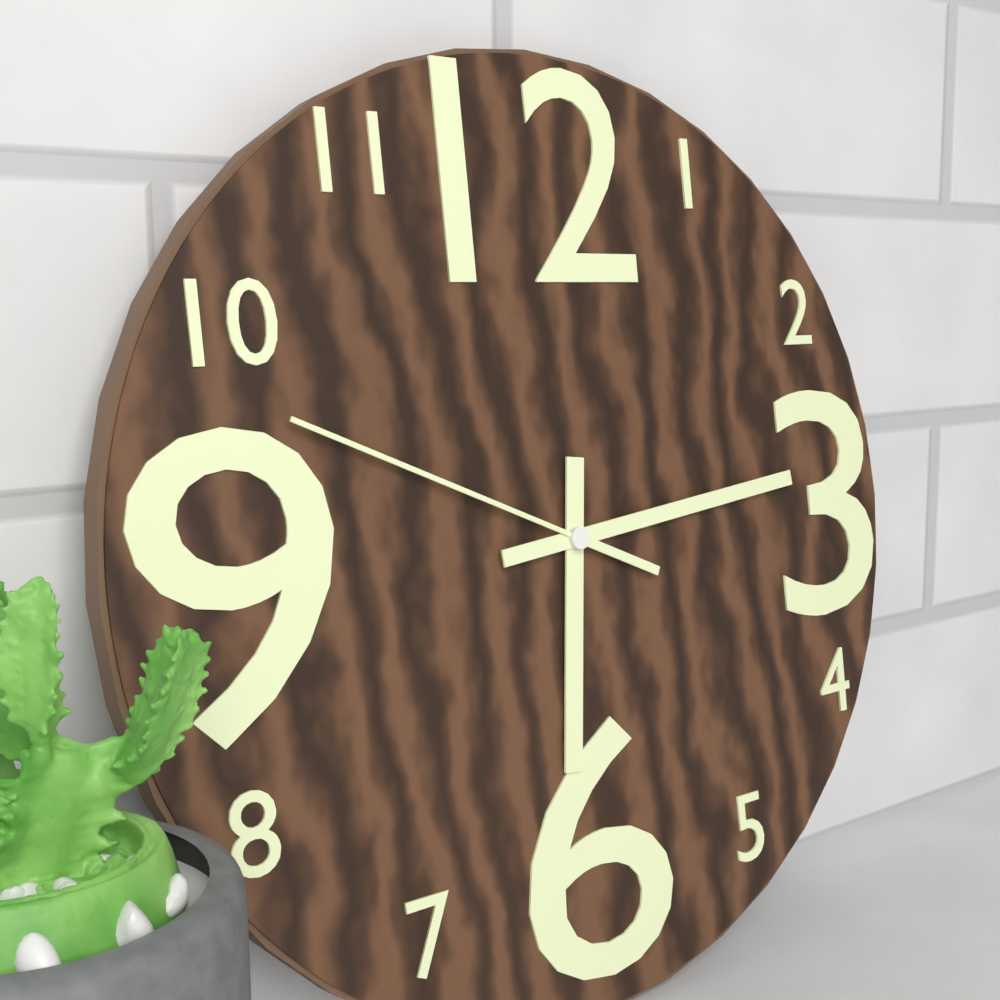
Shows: 6:14:49
